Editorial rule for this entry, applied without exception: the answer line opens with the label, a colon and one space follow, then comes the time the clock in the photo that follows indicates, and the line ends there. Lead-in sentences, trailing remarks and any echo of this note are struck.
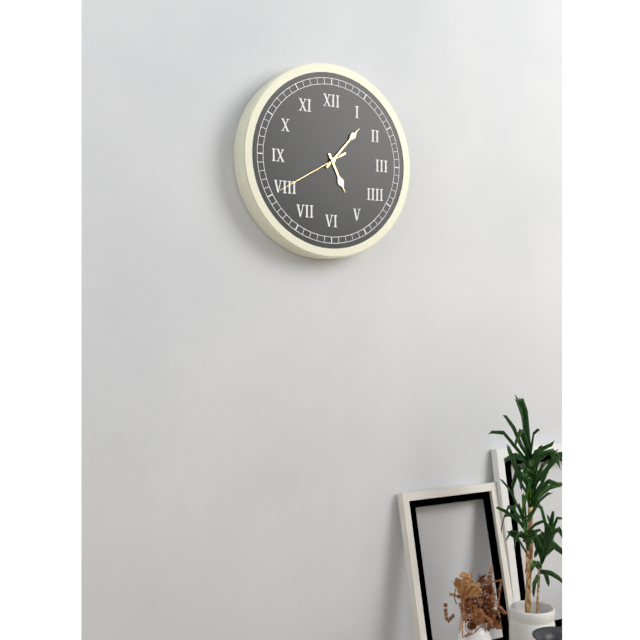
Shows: 5:07:40
